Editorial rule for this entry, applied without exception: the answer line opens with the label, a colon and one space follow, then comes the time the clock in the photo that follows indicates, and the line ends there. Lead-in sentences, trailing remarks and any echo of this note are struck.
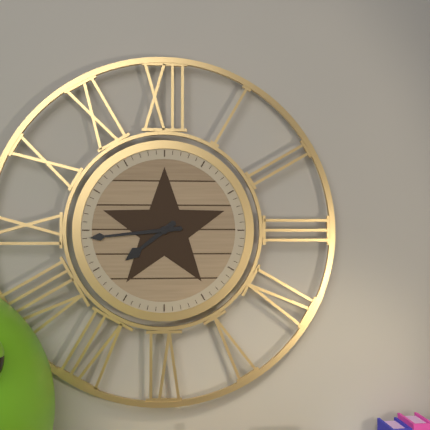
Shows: 7:44
